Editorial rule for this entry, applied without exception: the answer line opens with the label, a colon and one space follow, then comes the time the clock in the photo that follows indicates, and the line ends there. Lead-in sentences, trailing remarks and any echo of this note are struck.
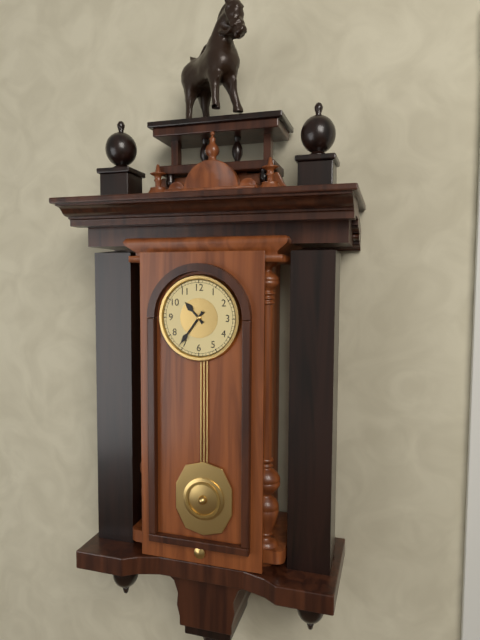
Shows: 10:36
